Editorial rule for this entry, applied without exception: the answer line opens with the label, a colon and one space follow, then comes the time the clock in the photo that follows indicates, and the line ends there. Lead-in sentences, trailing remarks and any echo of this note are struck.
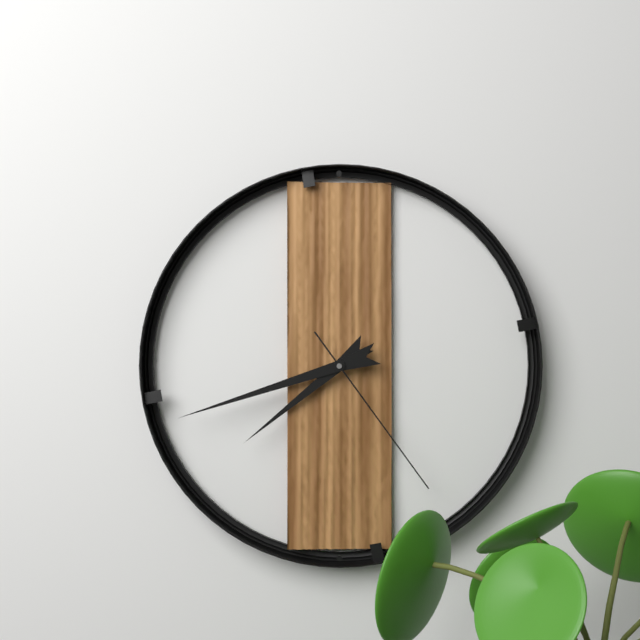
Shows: 7:42:24
